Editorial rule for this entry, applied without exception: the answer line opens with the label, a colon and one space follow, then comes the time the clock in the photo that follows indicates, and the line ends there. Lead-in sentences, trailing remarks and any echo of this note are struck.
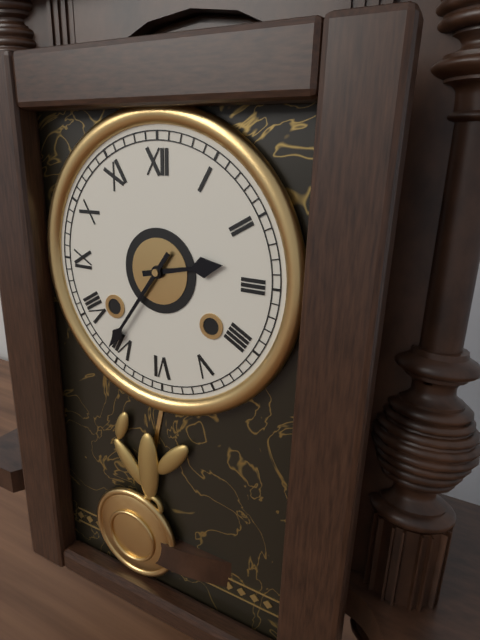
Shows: 2:36
